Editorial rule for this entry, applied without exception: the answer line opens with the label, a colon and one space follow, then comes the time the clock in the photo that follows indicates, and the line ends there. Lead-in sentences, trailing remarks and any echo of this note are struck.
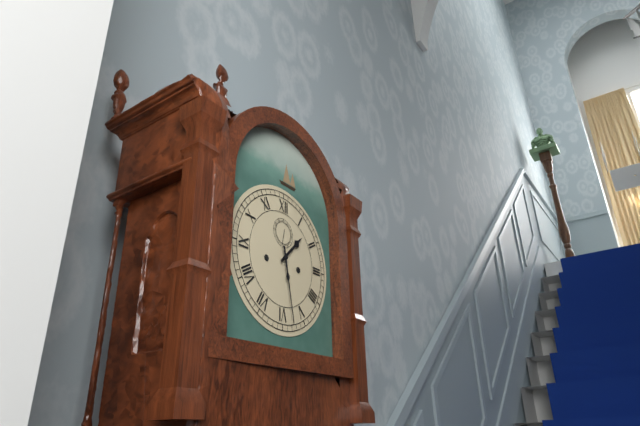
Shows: 1:28
